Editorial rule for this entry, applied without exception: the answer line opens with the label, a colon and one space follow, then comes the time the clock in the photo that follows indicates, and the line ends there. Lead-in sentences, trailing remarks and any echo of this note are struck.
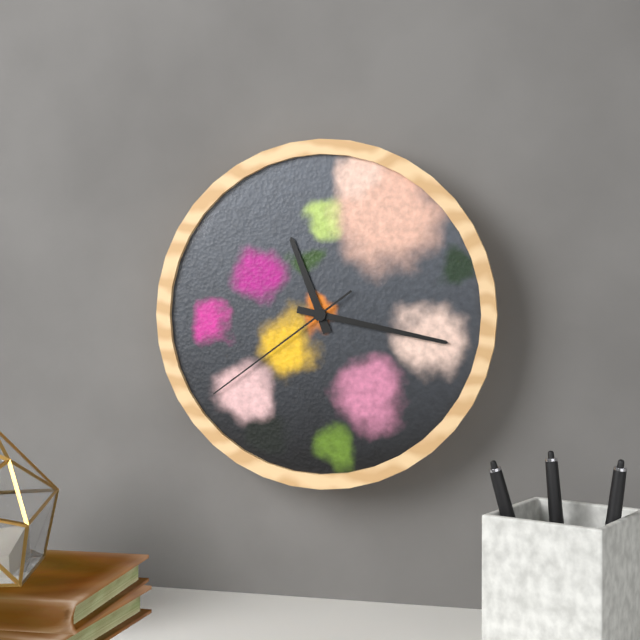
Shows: 11:17:39
